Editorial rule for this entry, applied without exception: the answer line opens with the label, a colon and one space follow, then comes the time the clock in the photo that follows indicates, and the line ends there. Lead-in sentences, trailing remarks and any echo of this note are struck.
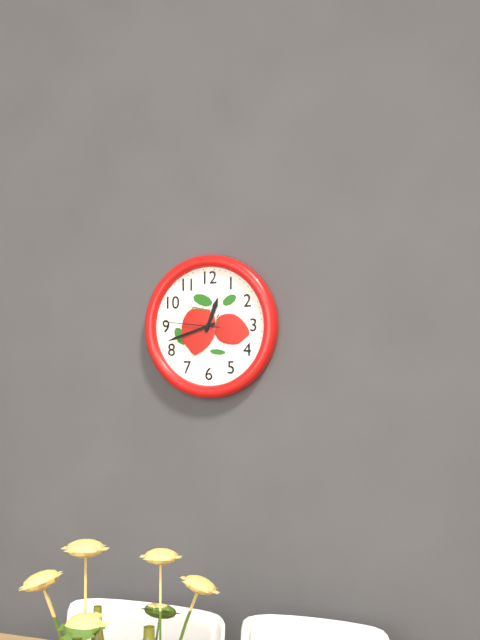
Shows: 12:42:46
